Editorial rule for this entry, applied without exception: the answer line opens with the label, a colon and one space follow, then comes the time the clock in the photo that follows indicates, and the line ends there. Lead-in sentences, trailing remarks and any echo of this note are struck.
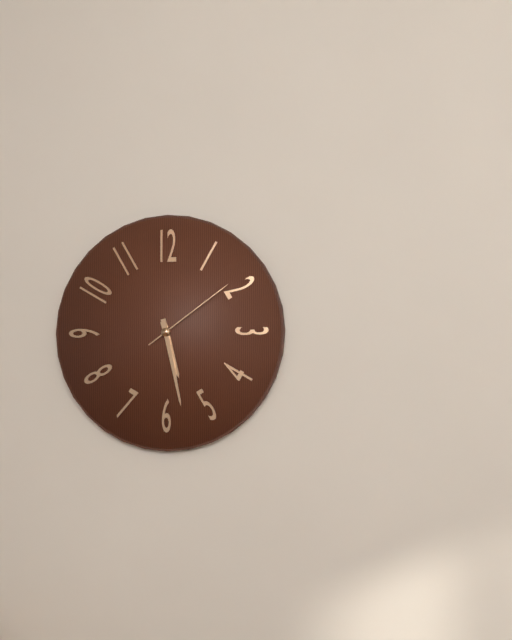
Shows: 5:28:09
